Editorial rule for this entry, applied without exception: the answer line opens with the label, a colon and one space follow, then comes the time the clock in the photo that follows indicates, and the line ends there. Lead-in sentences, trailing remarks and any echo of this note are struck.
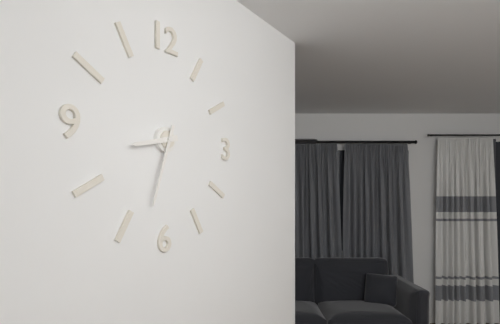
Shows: 8:33
